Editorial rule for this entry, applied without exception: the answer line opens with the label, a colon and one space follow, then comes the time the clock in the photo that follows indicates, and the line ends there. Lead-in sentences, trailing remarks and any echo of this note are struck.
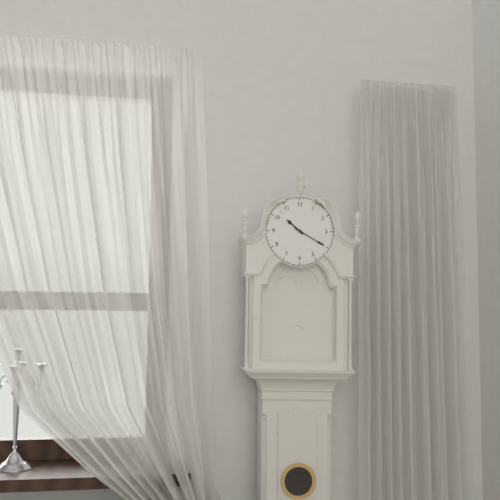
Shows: 10:20
